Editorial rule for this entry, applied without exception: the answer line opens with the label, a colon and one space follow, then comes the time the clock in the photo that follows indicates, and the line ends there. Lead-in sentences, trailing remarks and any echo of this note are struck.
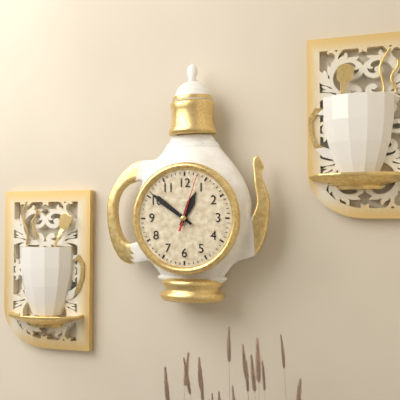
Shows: 12:51:03
